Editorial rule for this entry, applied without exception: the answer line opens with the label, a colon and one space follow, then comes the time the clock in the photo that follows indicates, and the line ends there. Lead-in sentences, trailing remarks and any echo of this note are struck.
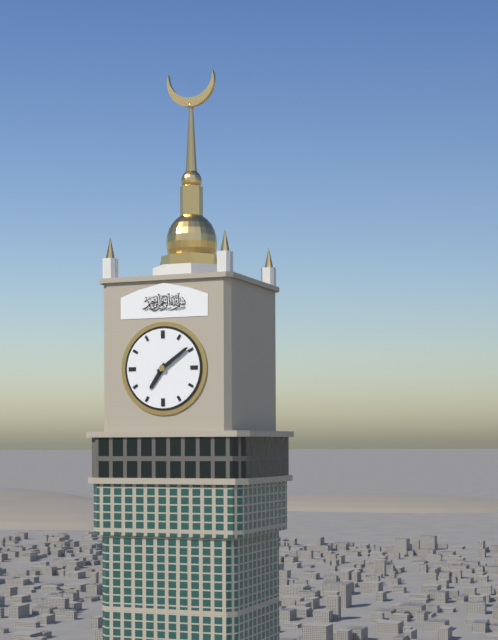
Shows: 7:09
